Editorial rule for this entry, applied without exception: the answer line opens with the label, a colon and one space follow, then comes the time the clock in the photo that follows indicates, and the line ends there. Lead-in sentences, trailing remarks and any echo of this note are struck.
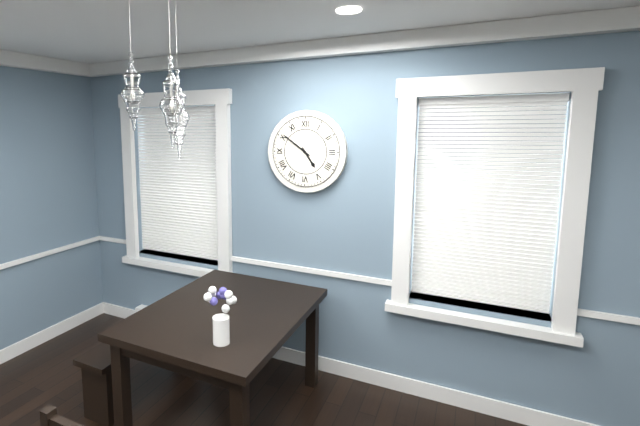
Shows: 4:51
